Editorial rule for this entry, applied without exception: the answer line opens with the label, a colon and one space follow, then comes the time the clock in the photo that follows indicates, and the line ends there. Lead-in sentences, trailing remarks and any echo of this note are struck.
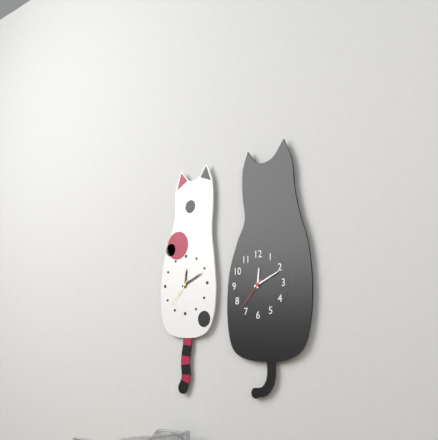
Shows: 12:11
